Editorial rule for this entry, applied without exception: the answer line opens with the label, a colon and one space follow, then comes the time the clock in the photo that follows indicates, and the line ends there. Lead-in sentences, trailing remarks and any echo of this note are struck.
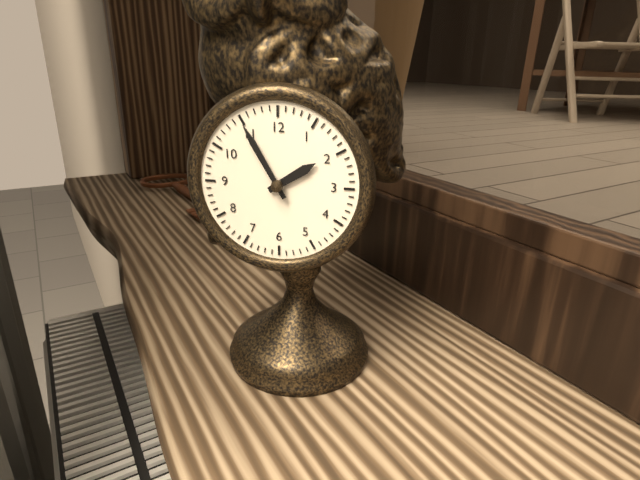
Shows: 1:55
